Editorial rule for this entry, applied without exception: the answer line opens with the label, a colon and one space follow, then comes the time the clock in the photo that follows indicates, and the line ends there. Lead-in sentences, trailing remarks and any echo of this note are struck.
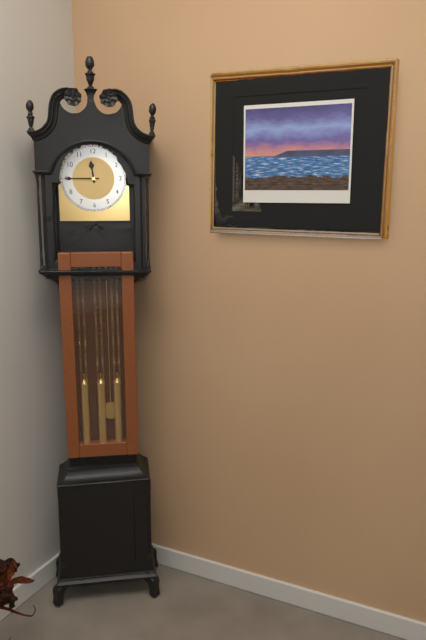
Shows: 11:45
